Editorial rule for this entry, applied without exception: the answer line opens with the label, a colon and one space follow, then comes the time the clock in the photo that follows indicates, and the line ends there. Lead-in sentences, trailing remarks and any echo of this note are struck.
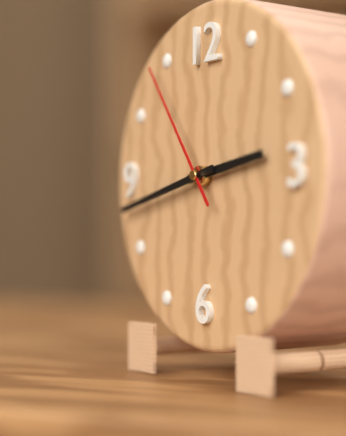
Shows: 2:43:54
